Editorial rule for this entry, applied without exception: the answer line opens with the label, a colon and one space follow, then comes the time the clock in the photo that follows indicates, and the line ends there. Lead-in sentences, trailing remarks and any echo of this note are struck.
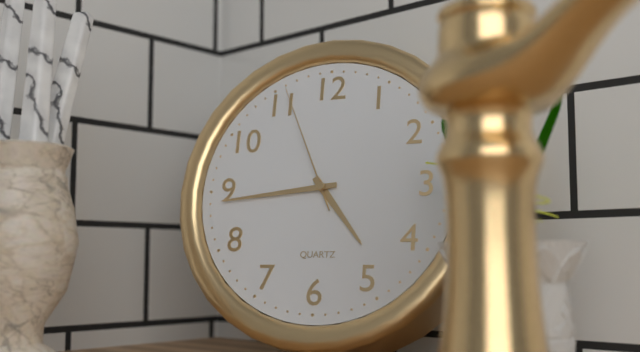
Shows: 4:44:56
